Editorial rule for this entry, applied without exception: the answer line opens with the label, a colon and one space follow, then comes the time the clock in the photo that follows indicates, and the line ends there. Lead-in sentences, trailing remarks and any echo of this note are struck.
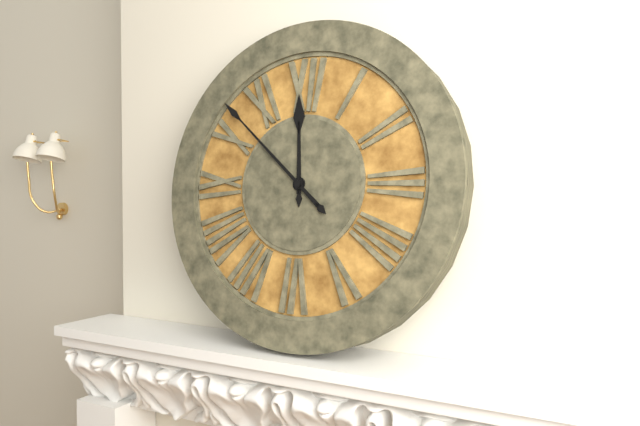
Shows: 11:52
